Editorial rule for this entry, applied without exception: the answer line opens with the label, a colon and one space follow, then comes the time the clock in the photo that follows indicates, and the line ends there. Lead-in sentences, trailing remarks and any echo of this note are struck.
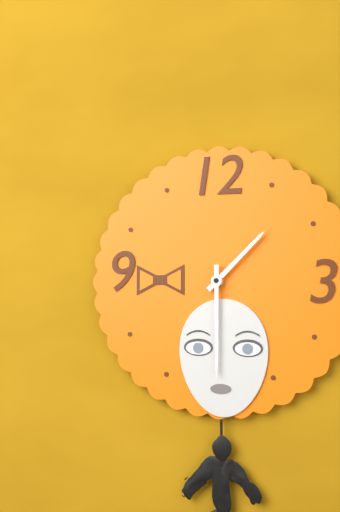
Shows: 1:30
